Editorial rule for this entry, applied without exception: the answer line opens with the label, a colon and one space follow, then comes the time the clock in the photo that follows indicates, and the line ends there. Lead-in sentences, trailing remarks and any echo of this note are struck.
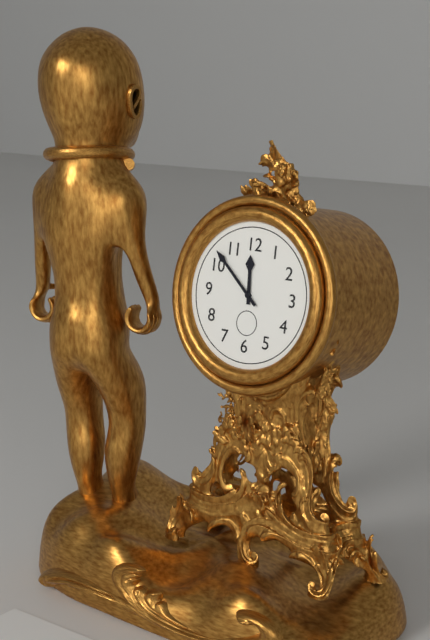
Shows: 11:52
